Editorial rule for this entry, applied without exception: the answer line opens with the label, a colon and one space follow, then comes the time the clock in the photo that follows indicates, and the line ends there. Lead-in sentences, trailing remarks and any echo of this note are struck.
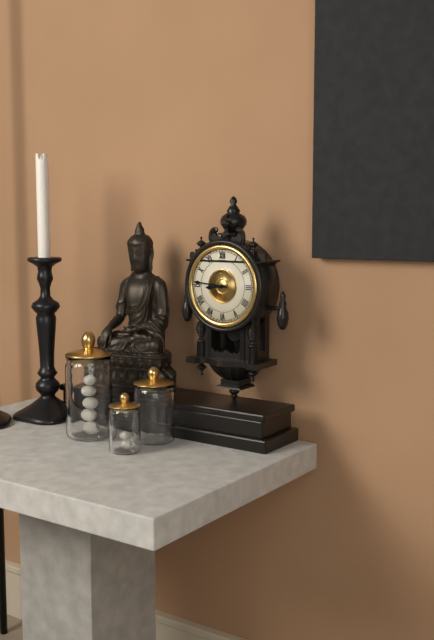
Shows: 8:46
